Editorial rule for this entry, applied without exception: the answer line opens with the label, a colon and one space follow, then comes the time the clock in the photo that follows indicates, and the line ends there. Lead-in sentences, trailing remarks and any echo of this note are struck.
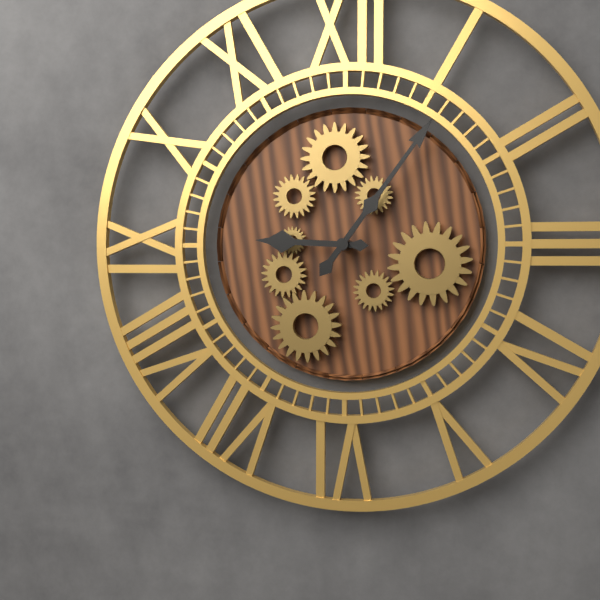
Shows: 9:06
